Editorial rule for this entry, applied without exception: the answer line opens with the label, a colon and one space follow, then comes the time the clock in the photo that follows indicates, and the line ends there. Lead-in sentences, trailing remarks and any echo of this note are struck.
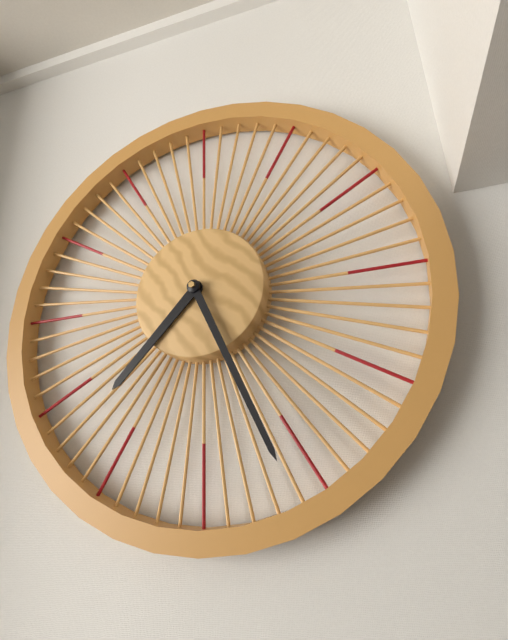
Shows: 7:26
